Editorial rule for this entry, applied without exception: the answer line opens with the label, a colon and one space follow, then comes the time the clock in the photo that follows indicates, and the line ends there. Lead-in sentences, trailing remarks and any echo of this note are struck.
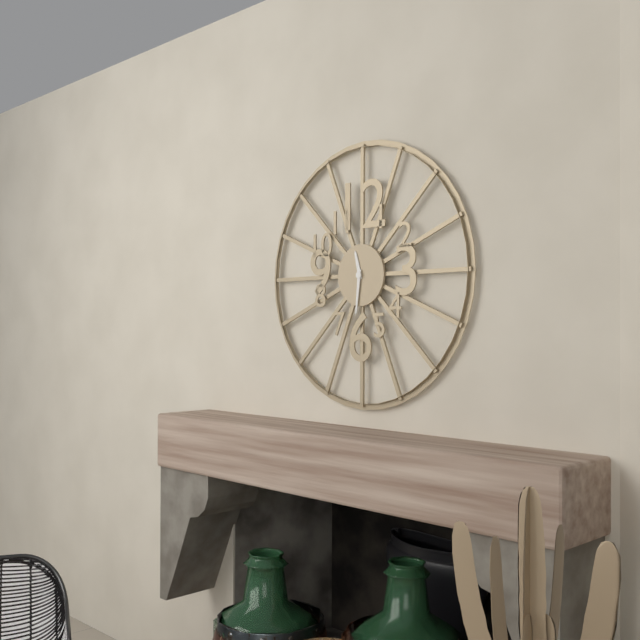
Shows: 11:31
